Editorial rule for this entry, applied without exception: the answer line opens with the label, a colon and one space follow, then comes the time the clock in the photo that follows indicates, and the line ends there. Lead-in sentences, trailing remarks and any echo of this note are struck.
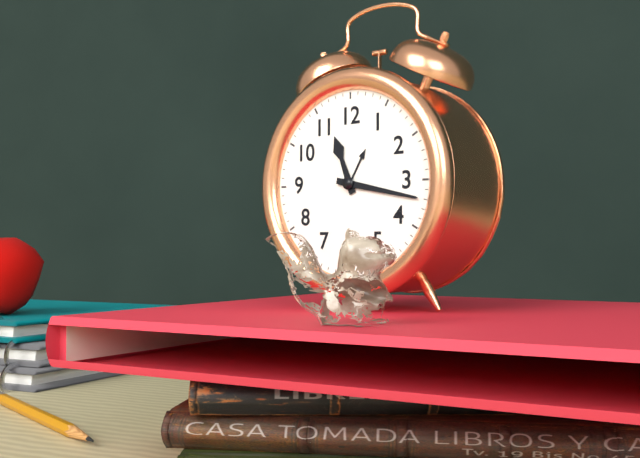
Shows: 11:17
